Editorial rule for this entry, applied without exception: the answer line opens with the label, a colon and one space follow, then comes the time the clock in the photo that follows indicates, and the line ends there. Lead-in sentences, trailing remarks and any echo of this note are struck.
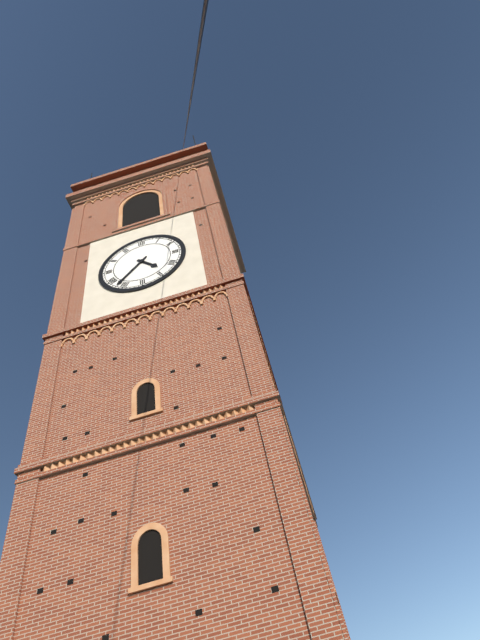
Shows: 4:37
